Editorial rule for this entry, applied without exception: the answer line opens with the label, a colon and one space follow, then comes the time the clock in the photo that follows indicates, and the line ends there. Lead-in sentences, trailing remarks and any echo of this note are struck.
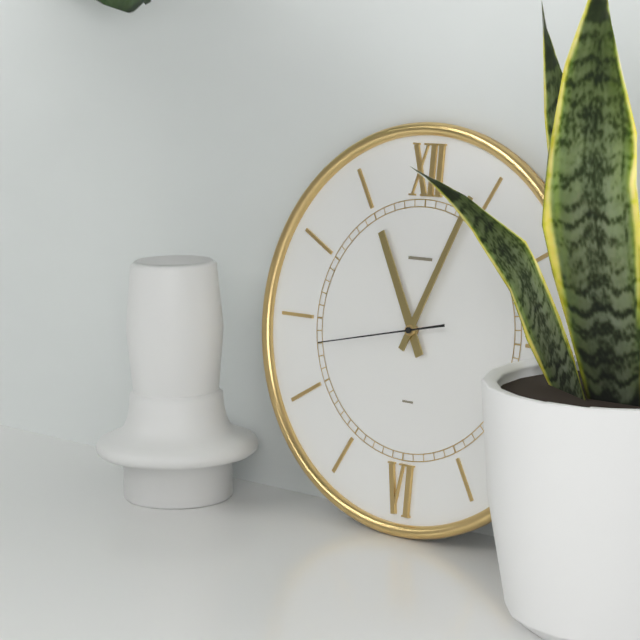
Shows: 11:04:43
